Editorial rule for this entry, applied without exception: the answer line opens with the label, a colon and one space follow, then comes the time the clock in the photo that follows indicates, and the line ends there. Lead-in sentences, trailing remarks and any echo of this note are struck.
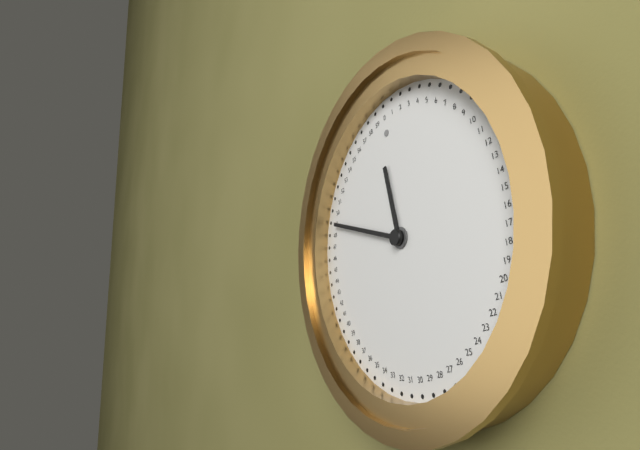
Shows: 11:49
